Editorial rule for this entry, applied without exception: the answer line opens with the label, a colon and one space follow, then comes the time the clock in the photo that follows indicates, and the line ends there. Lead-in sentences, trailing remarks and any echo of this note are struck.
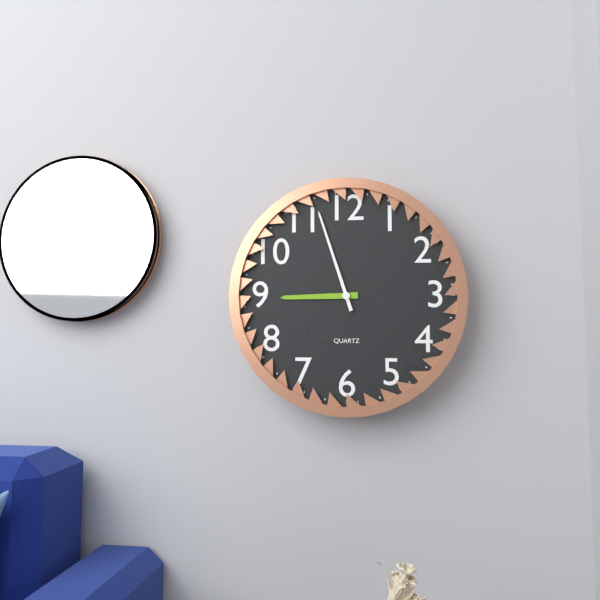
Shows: 8:57
